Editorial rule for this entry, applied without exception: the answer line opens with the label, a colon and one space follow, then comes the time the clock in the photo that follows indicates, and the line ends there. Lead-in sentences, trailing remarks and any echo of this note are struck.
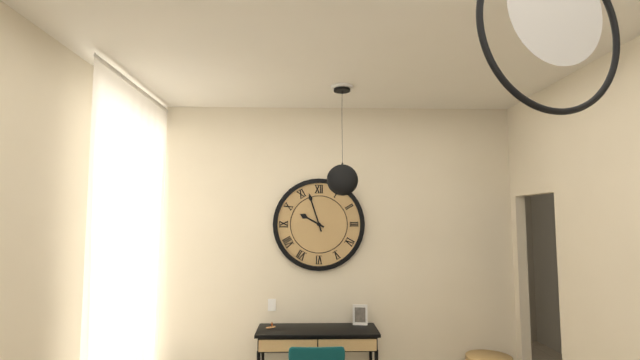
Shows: 9:57
